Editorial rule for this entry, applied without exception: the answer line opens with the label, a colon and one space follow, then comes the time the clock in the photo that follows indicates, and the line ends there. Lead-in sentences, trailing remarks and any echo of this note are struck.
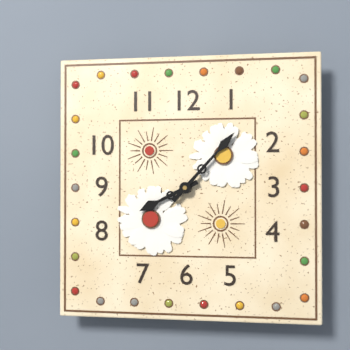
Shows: 8:07
